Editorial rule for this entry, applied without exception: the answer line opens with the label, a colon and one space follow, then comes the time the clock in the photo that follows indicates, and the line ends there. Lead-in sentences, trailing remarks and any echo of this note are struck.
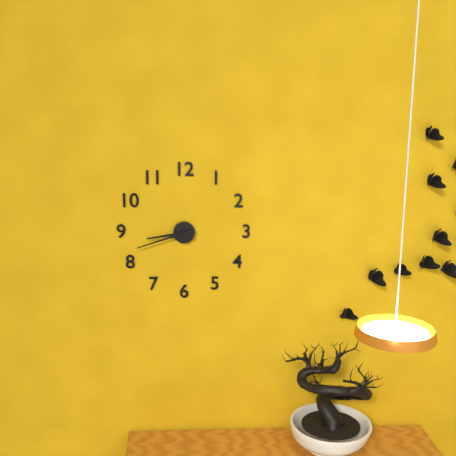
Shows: 8:42
